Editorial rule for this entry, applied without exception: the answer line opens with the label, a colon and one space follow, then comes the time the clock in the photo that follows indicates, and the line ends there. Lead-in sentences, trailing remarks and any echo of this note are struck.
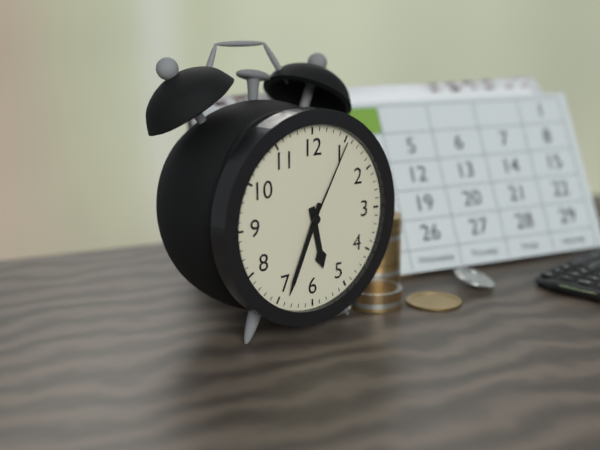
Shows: 5:34:05
